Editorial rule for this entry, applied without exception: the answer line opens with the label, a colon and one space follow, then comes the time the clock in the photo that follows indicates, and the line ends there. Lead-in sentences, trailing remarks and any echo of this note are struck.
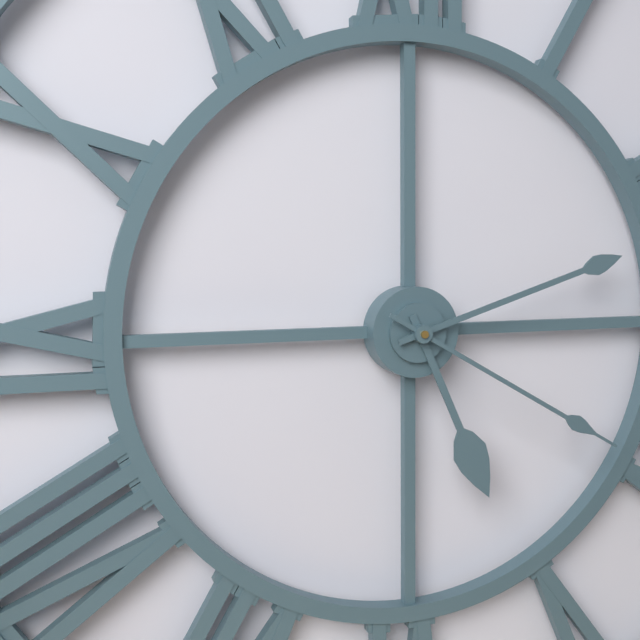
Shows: 5:12:20
